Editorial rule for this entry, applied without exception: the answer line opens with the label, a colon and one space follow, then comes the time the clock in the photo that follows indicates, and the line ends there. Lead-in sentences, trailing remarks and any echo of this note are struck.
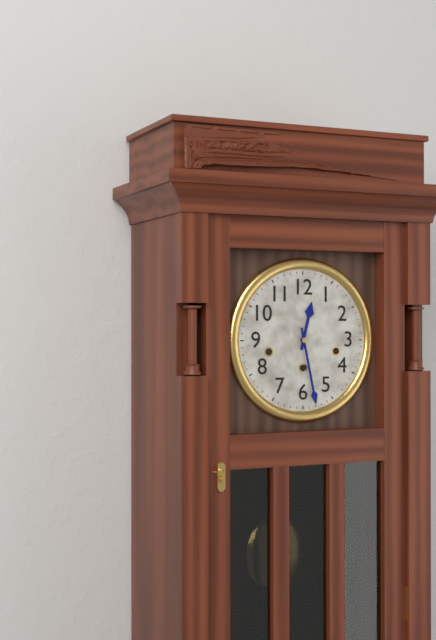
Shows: 12:28
